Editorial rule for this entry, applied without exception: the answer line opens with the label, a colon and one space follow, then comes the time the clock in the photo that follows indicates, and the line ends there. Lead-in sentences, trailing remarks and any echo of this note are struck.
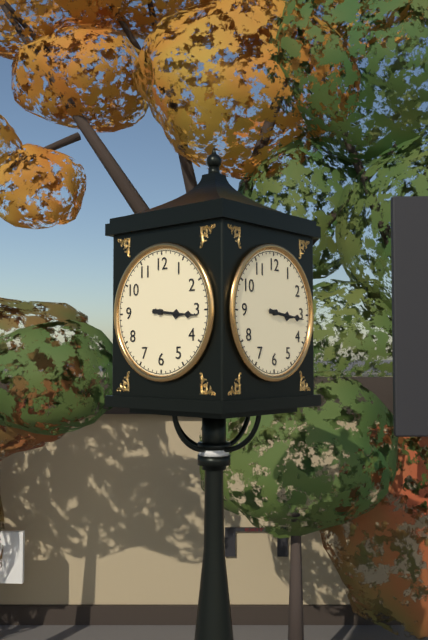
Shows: 3:16
